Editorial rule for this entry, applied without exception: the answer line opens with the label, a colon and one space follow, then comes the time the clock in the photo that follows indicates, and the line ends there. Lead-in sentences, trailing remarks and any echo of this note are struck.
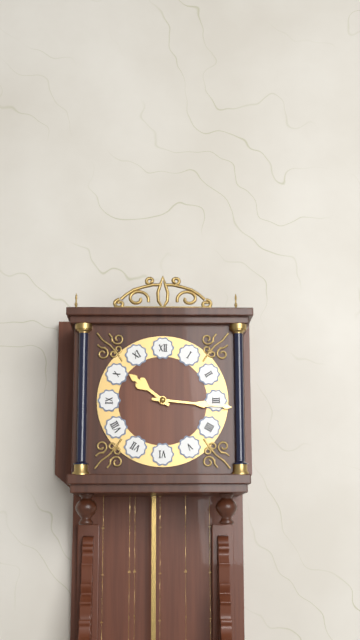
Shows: 10:16
